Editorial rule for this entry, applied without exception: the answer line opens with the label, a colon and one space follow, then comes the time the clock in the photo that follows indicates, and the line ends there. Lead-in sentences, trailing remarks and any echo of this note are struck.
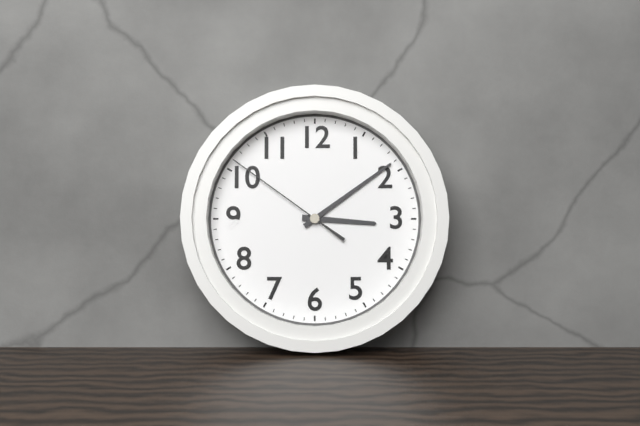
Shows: 3:09:51
